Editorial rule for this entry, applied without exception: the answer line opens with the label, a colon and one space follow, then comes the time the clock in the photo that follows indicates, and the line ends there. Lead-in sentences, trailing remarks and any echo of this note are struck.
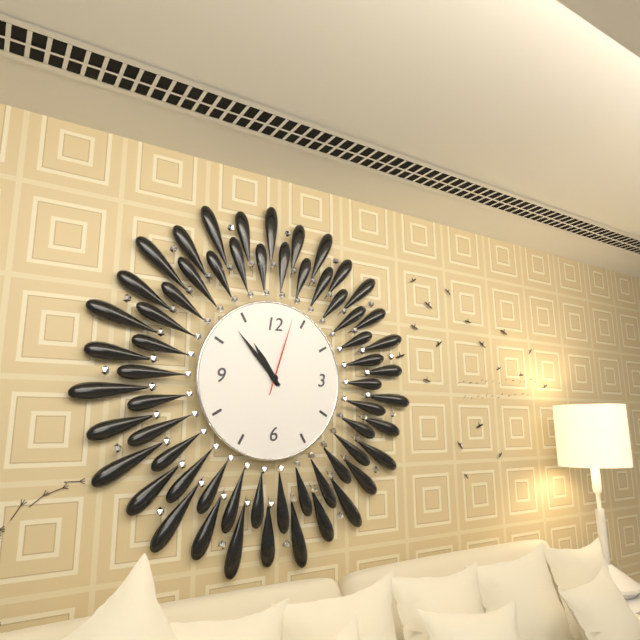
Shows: 10:53:03
